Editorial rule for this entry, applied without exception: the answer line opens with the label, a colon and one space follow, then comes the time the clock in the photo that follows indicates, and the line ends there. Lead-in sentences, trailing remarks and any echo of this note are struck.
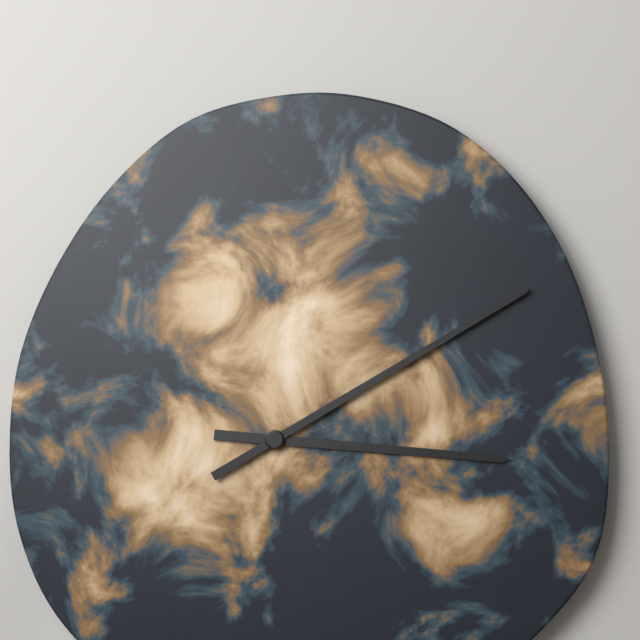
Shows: 3:10
